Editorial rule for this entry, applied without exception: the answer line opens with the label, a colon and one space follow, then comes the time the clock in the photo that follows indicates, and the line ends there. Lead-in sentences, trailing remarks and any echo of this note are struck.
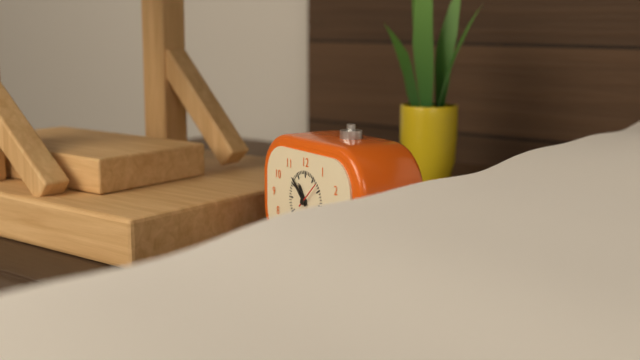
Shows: 10:52
